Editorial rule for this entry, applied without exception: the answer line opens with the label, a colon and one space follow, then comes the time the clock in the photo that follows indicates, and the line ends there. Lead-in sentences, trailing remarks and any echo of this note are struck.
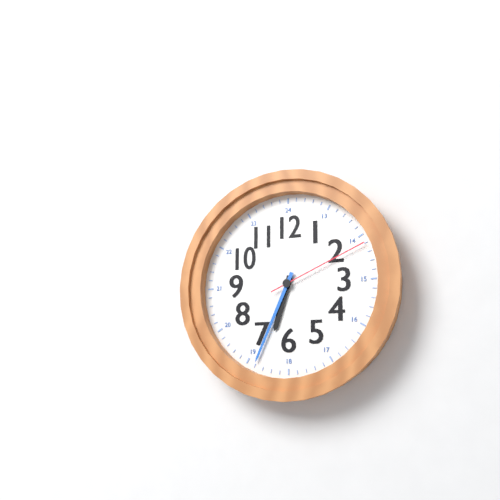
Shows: 6:34:11
